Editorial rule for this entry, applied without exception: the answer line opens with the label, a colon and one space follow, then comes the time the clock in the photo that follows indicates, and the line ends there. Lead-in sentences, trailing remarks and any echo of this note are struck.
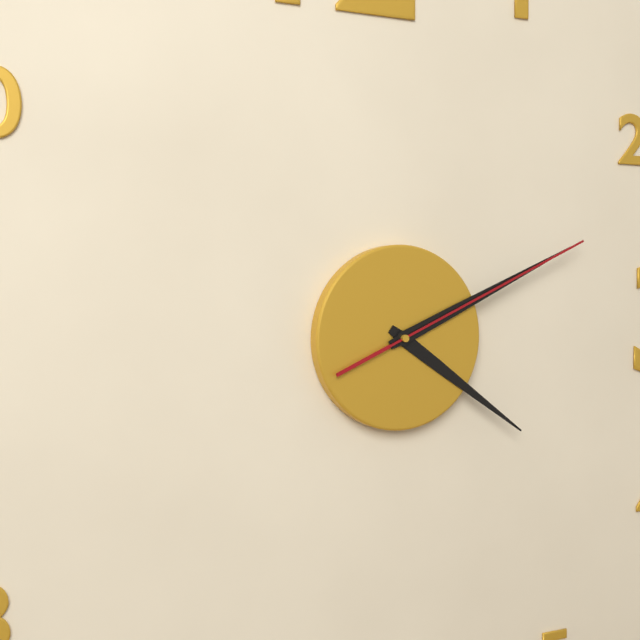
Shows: 4:11:11
